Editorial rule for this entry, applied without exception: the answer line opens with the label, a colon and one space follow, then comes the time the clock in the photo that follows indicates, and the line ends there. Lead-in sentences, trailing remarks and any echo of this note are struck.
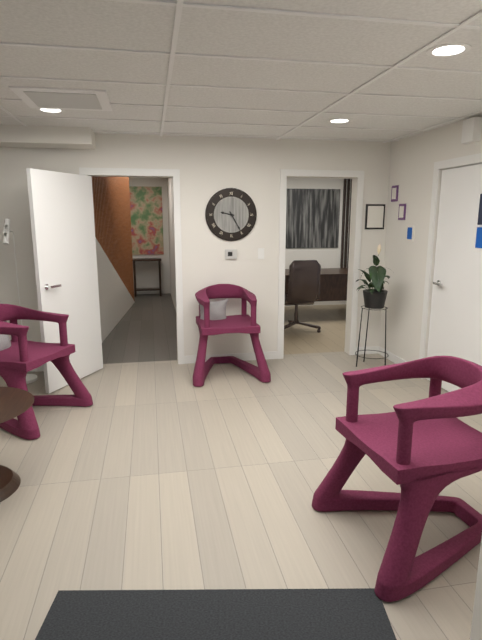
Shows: 9:25
